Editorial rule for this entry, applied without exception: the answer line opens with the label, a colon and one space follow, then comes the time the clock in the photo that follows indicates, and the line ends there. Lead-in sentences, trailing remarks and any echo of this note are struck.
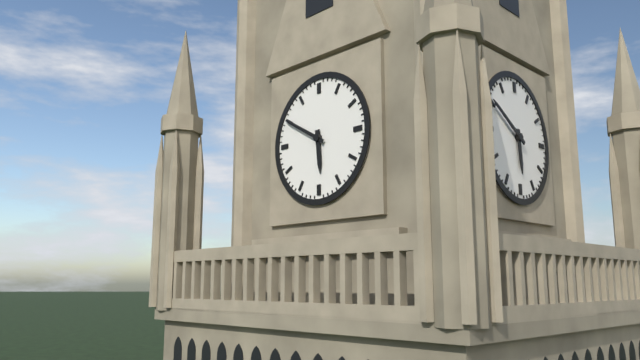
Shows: 5:50
